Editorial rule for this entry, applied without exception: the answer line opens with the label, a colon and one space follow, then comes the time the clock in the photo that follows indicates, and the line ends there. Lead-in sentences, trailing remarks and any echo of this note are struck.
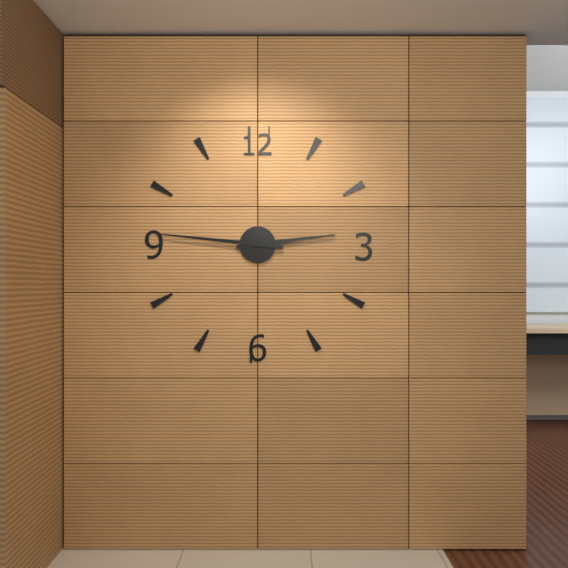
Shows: 2:46
